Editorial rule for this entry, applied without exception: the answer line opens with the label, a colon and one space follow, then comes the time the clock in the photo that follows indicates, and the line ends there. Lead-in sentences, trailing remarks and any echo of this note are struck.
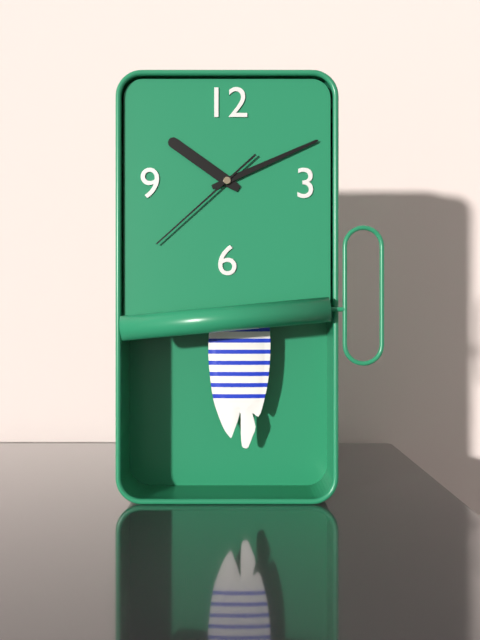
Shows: 10:11:38
